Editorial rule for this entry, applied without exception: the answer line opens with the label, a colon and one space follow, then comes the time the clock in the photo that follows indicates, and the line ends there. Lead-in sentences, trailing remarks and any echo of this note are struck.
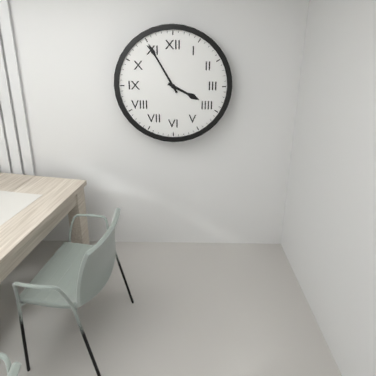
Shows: 3:55
